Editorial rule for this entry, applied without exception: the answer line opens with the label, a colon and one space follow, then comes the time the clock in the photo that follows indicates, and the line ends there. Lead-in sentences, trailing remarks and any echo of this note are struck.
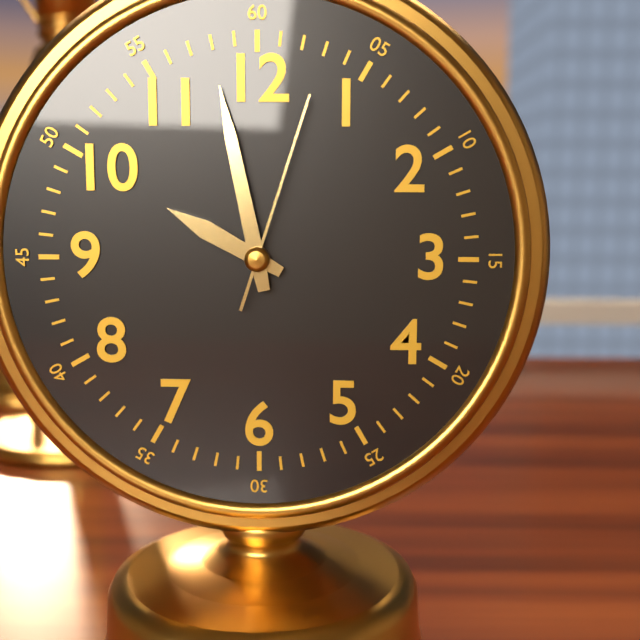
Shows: 9:58:03
